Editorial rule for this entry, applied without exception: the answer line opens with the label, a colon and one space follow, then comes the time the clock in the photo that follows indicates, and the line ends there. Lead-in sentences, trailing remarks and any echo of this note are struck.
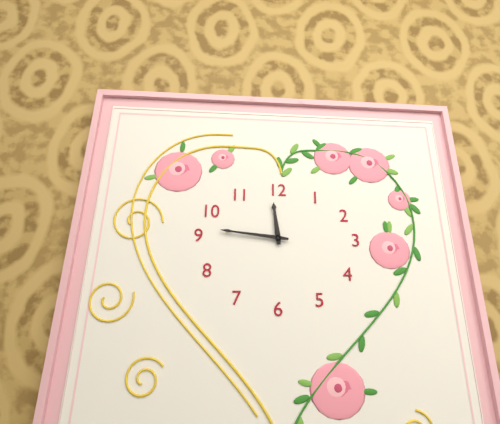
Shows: 11:46
